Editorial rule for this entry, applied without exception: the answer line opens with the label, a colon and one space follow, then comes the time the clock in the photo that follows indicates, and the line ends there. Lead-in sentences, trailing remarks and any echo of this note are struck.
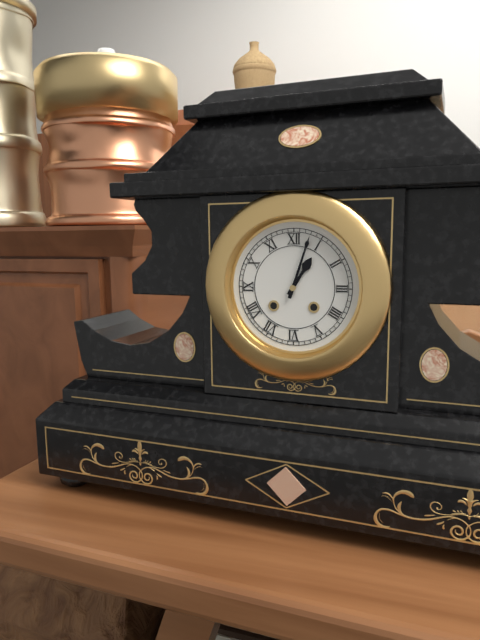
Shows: 1:03
